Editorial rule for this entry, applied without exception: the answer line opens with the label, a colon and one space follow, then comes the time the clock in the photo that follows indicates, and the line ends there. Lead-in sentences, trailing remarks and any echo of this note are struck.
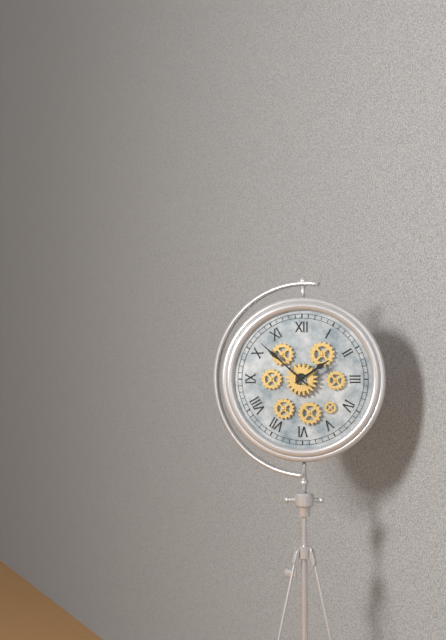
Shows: 1:52
